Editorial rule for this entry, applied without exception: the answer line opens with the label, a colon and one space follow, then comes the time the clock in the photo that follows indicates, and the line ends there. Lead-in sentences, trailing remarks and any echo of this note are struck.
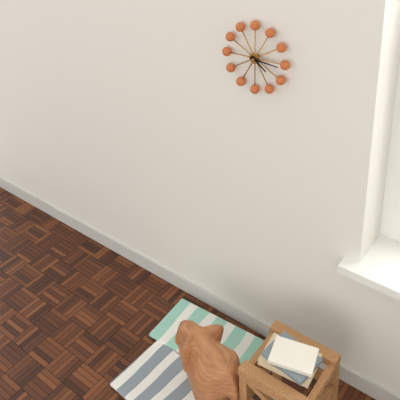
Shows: 4:16
